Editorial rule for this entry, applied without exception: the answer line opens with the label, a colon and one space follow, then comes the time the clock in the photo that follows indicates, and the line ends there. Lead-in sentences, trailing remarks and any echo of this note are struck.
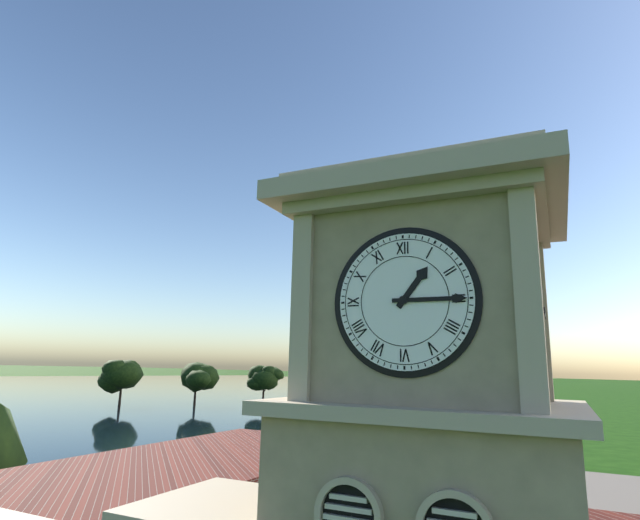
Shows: 1:15
